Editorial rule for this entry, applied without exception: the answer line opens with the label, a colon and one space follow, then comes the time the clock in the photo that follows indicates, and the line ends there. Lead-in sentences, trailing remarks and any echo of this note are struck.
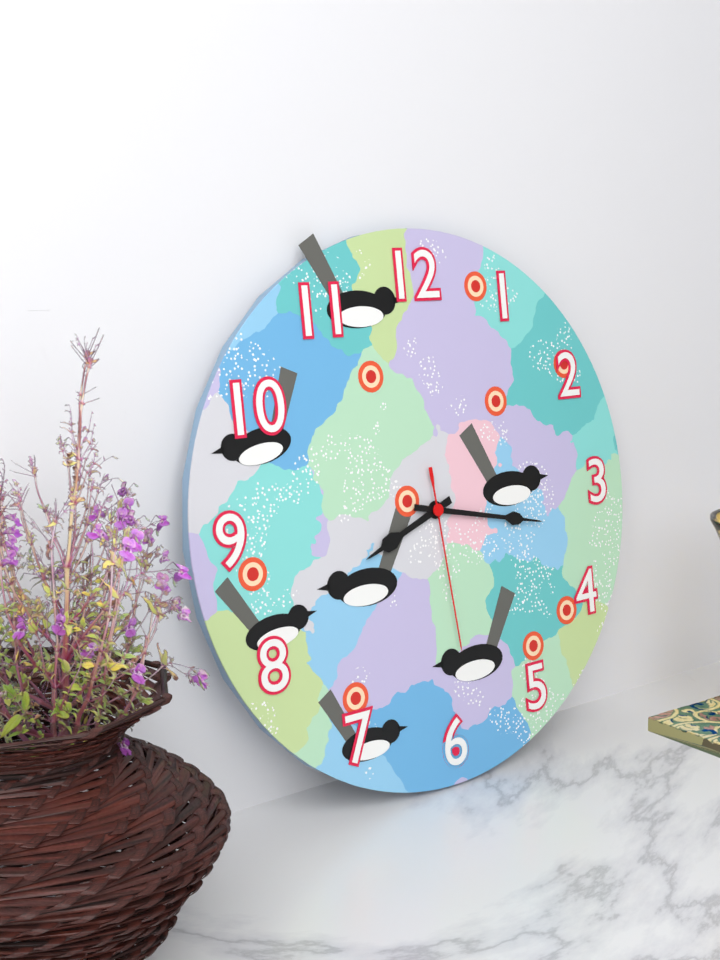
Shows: 8:17:29
